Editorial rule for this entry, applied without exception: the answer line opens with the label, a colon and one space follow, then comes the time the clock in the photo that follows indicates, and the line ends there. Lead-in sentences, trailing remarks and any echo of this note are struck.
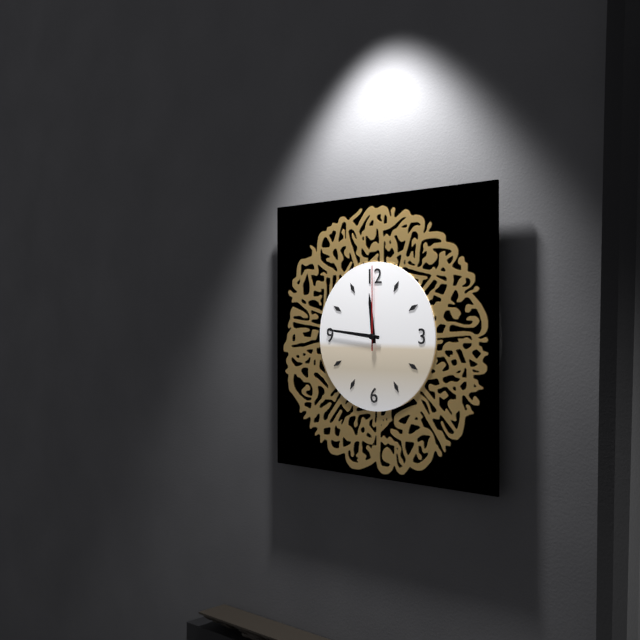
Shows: 11:46:00
